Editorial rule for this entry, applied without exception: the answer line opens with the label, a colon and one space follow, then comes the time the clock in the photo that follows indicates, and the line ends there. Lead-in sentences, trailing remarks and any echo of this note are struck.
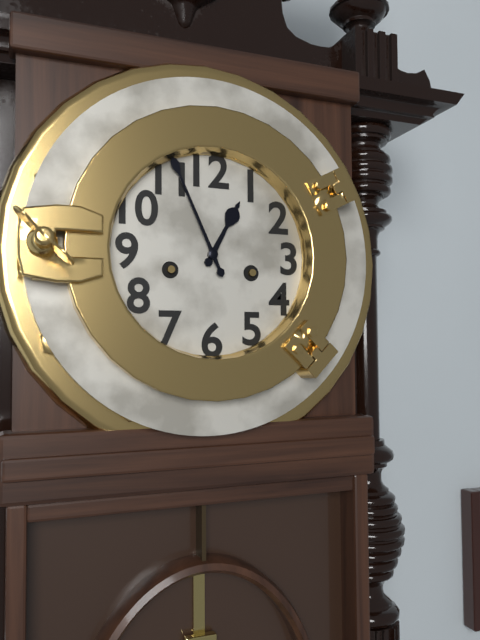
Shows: 12:56
